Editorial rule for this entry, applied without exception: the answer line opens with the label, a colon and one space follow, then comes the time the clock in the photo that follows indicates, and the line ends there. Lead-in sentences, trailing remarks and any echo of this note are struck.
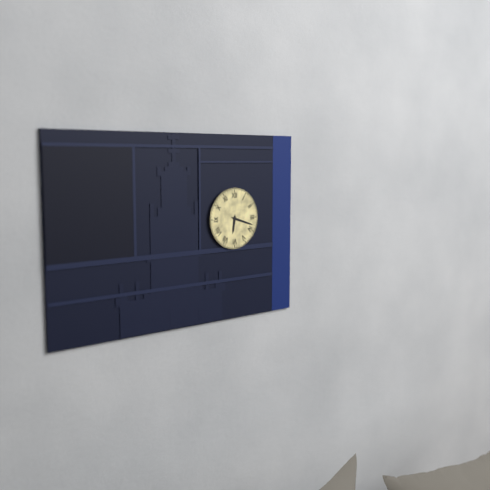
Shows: 6:18
